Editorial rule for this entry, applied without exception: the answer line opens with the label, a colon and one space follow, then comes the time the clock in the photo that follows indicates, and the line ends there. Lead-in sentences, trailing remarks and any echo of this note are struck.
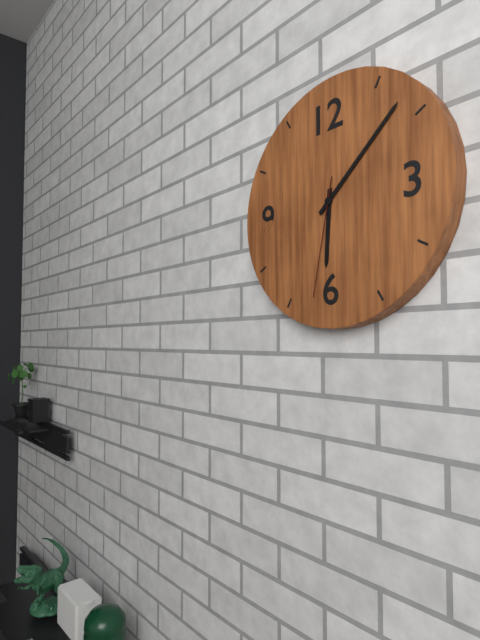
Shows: 6:08:32
